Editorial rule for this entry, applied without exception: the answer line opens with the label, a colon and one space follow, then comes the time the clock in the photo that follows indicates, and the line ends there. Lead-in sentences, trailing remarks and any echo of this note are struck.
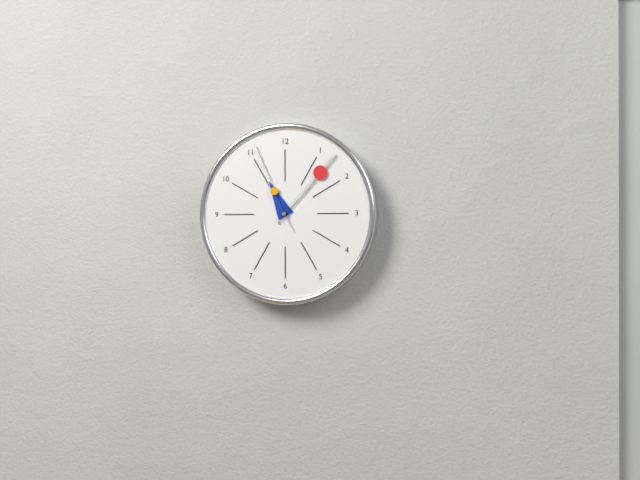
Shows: 11:07:56
